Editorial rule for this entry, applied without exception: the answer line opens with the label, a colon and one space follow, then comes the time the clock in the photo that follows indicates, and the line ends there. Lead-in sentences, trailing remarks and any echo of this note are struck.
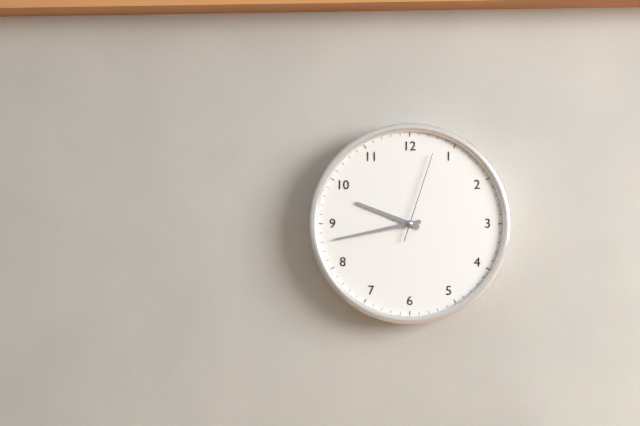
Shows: 9:43:03
